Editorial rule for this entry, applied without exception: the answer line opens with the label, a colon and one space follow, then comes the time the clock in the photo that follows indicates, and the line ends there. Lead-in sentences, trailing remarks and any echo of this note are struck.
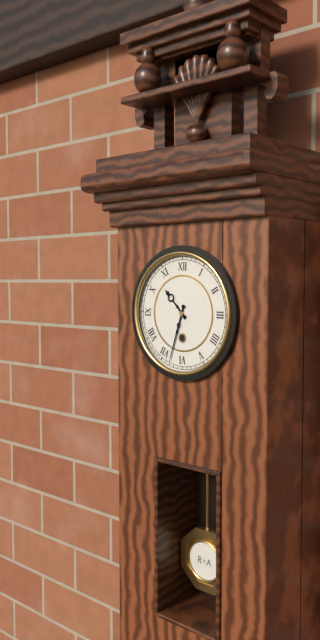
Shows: 10:33
